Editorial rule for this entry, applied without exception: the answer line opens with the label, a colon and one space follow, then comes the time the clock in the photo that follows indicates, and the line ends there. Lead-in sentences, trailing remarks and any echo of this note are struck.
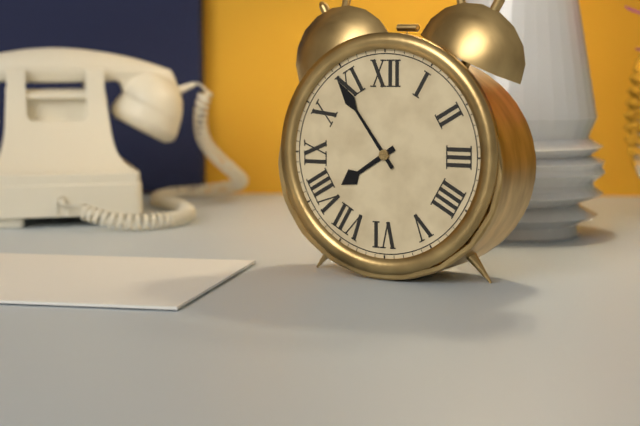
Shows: 7:54
